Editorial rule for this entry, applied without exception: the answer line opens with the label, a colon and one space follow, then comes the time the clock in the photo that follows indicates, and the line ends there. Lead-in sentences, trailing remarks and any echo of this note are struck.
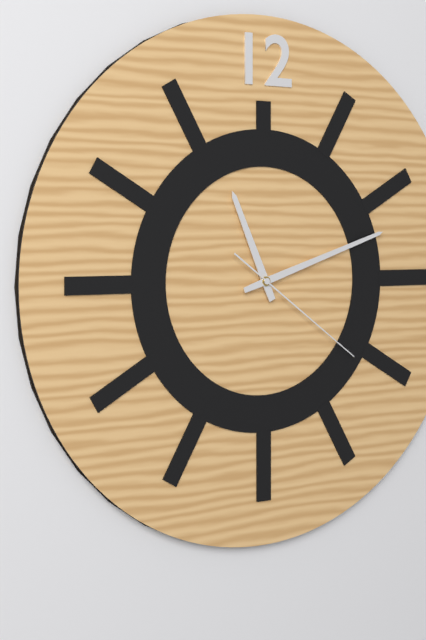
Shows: 11:12:21
